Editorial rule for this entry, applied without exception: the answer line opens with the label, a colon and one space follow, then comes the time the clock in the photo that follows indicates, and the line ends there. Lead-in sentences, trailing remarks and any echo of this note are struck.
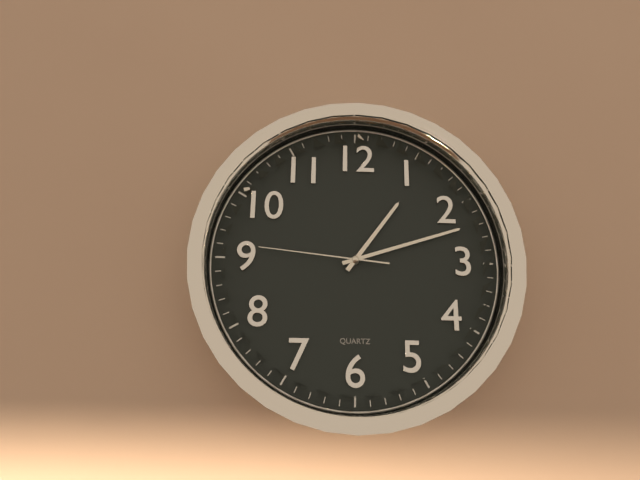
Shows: 1:12:46
